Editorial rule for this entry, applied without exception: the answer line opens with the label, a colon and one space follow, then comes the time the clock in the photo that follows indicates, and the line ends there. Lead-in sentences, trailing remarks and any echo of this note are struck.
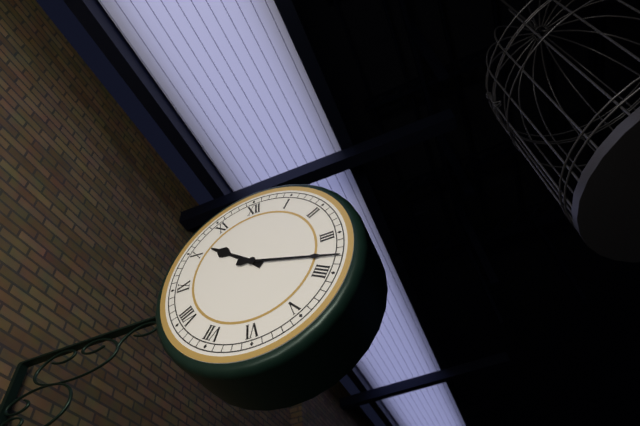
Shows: 10:18
